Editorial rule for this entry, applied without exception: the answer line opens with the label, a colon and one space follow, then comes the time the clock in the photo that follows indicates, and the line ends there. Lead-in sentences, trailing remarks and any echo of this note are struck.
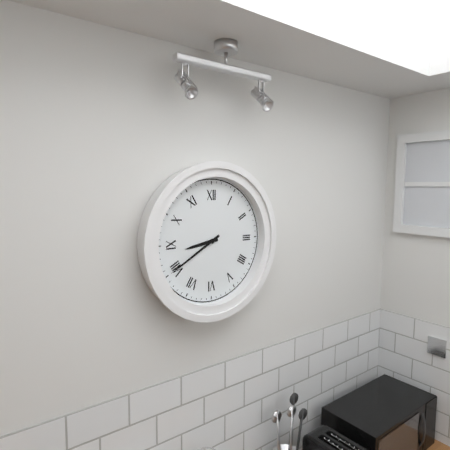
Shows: 8:40
